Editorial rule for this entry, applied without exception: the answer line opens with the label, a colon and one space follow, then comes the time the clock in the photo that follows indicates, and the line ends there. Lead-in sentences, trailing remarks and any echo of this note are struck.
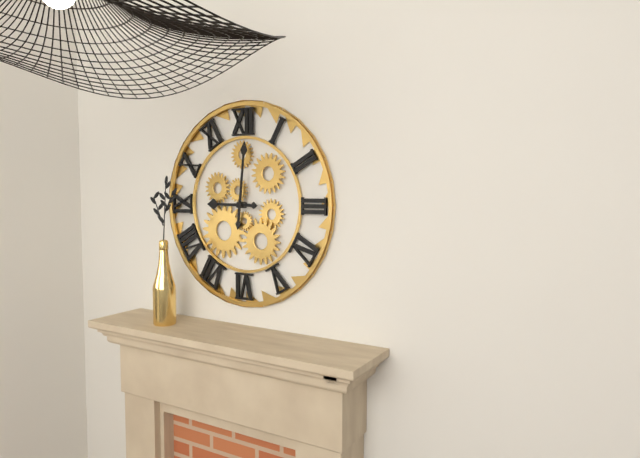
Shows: 9:01
